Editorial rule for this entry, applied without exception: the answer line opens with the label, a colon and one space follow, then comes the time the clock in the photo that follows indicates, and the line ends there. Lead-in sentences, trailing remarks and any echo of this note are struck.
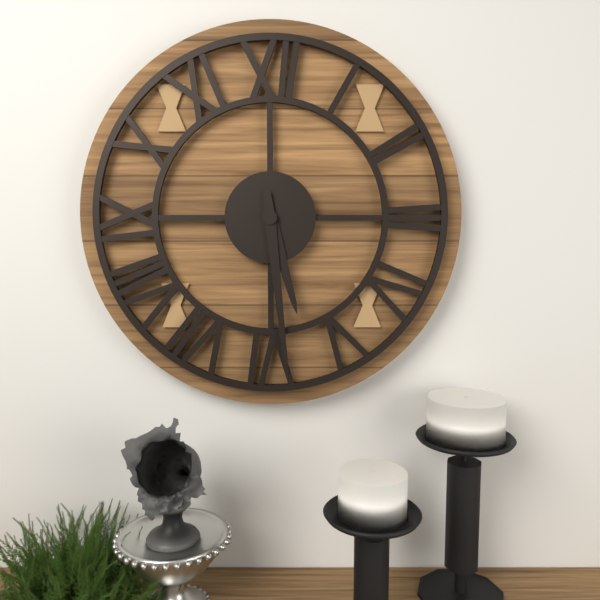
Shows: 5:29
